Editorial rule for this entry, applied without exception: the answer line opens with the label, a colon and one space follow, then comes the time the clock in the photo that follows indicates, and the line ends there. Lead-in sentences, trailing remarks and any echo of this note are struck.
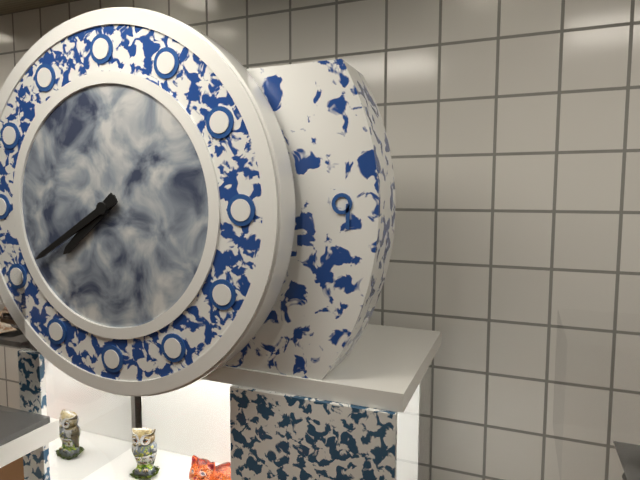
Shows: 7:40
